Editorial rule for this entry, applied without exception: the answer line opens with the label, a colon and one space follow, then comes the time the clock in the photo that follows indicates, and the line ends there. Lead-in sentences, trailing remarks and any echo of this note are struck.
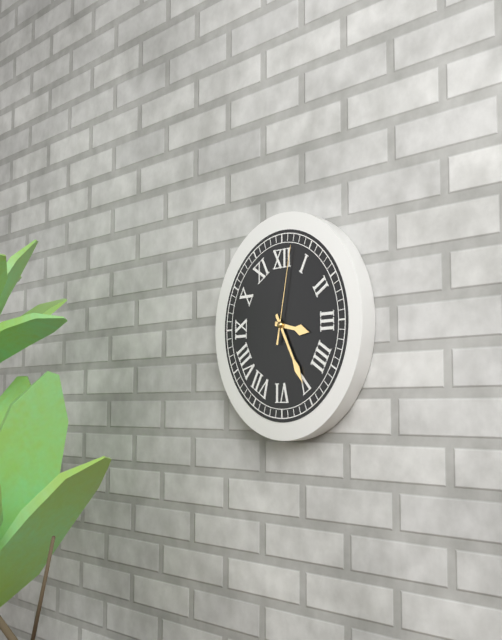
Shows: 3:25:02
